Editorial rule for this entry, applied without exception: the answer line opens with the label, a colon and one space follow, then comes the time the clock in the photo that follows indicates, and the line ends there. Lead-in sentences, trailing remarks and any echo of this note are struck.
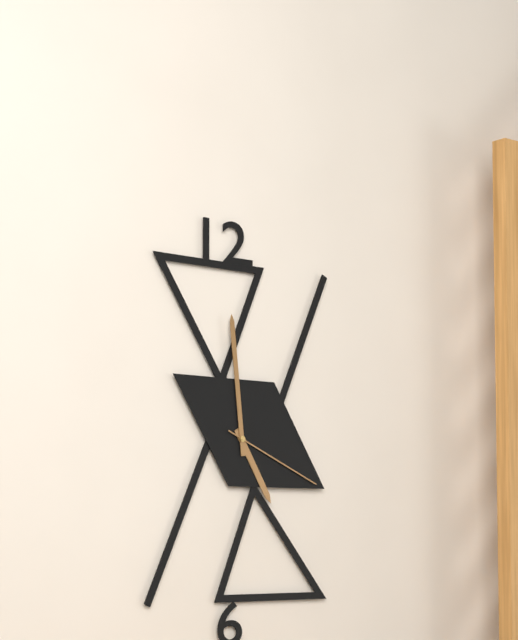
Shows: 4:59:19
